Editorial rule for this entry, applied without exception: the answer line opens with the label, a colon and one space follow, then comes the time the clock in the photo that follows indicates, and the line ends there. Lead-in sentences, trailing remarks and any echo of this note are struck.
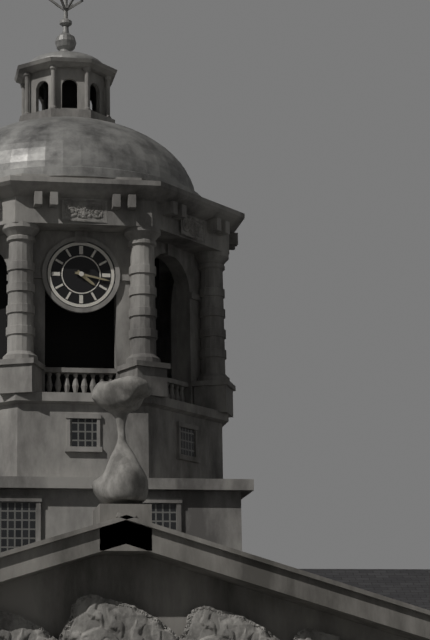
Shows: 4:17
